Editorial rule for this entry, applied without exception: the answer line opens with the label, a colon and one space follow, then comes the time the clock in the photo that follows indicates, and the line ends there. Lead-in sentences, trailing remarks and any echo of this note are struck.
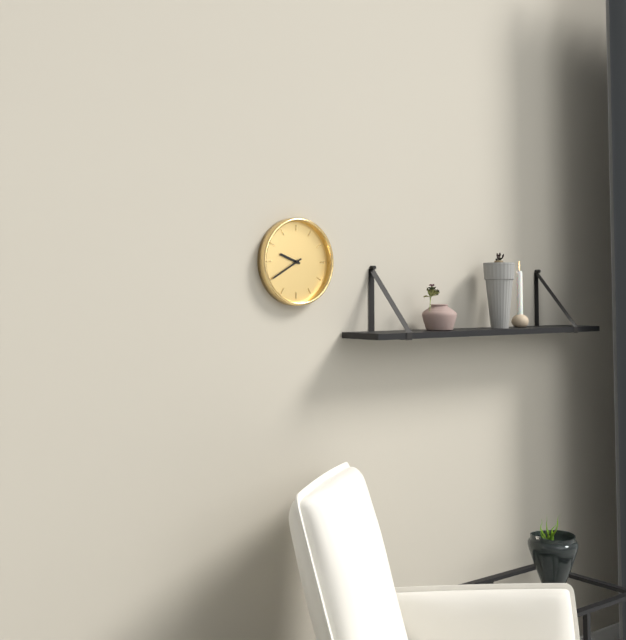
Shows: 9:40
